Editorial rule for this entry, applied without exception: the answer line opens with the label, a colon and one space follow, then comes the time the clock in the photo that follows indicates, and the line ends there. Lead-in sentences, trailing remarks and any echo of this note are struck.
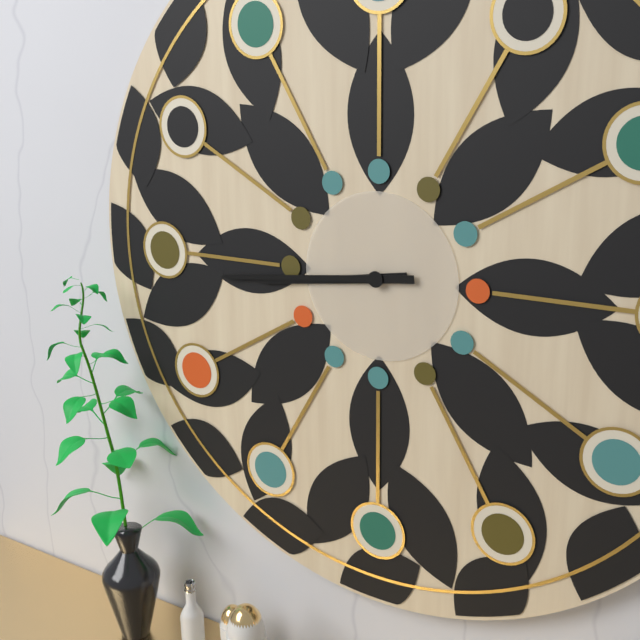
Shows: 8:44
